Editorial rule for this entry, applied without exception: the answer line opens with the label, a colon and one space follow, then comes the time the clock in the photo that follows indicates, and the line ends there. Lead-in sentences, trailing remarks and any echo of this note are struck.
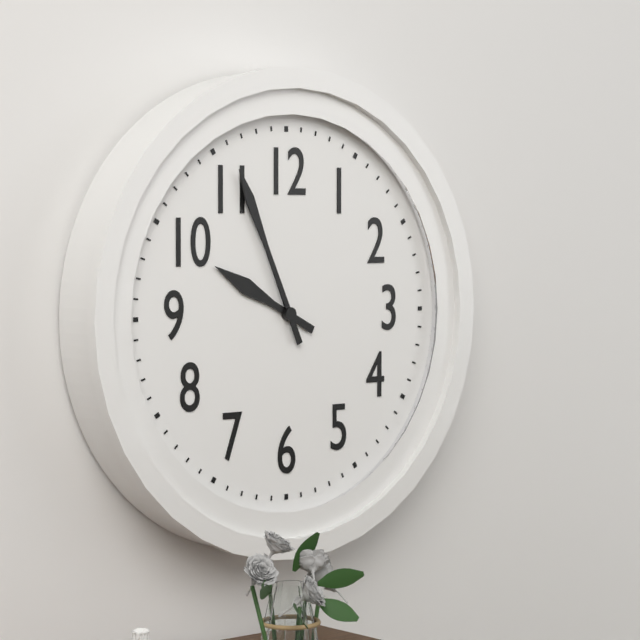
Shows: 9:56
